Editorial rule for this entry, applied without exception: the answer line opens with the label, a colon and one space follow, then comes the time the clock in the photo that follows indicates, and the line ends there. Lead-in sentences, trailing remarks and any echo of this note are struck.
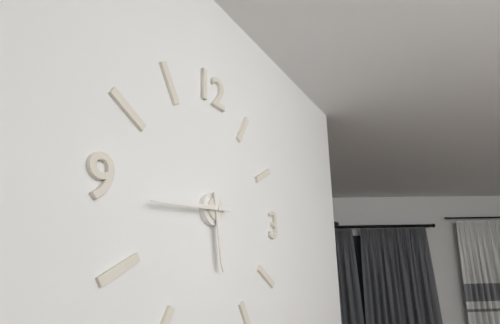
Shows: 5:44
